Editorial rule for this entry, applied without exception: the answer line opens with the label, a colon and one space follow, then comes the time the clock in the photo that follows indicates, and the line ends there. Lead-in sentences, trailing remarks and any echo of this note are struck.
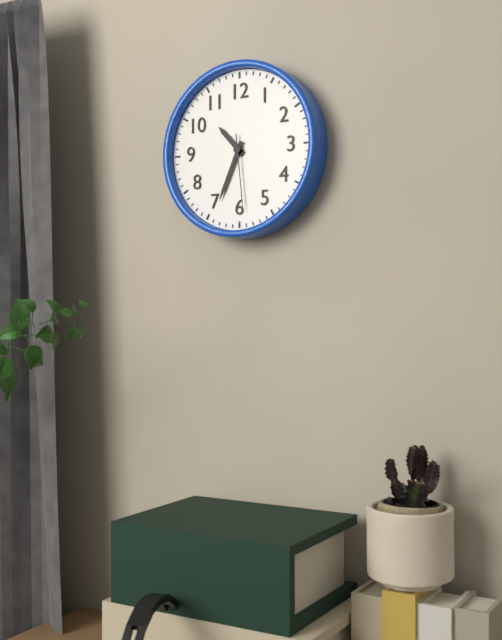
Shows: 10:34:29
